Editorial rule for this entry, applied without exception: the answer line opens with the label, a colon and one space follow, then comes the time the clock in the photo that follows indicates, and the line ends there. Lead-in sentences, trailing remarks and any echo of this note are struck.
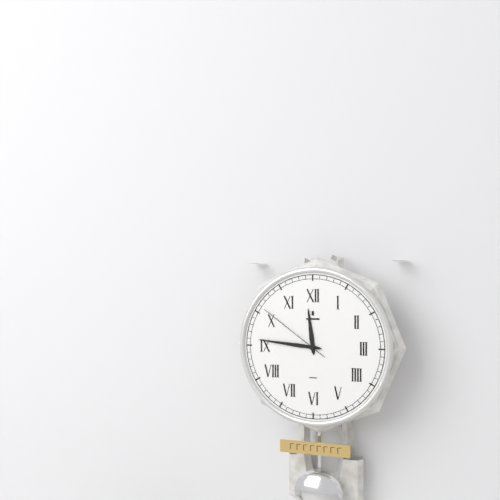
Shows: 11:46:51
